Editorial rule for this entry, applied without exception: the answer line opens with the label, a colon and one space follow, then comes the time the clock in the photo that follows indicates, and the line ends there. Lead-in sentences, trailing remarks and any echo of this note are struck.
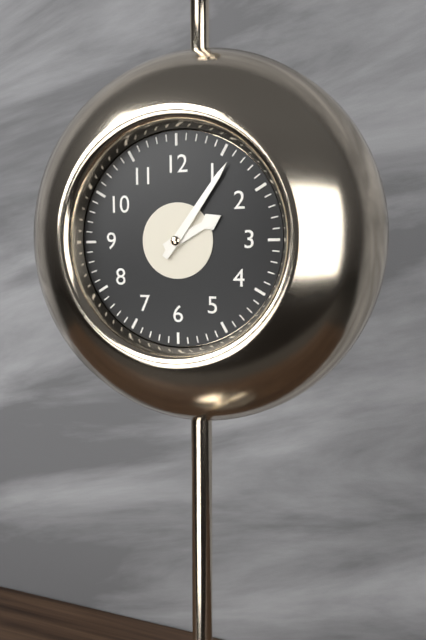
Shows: 2:06
